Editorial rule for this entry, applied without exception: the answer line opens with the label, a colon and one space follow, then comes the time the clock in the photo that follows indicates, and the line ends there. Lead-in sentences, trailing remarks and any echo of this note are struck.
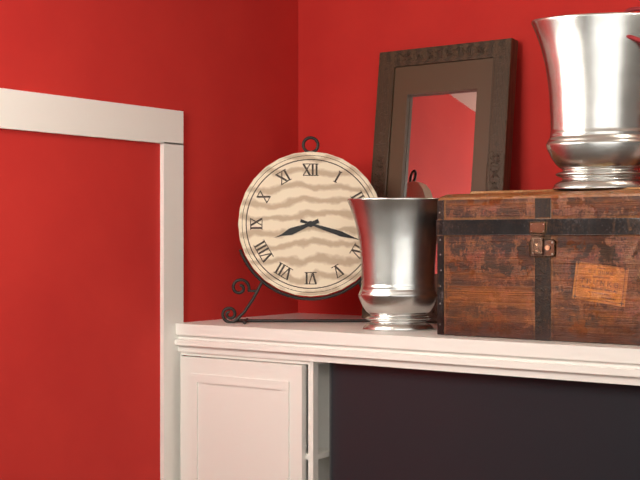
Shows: 8:18
